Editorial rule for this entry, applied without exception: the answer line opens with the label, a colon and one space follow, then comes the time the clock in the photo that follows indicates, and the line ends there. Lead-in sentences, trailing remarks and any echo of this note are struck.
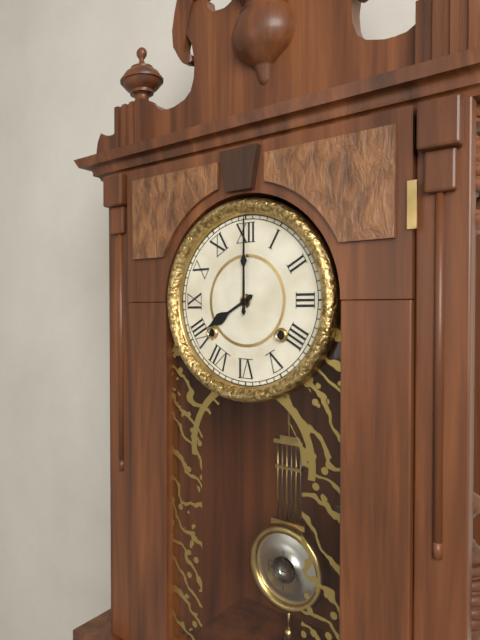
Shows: 8:00
